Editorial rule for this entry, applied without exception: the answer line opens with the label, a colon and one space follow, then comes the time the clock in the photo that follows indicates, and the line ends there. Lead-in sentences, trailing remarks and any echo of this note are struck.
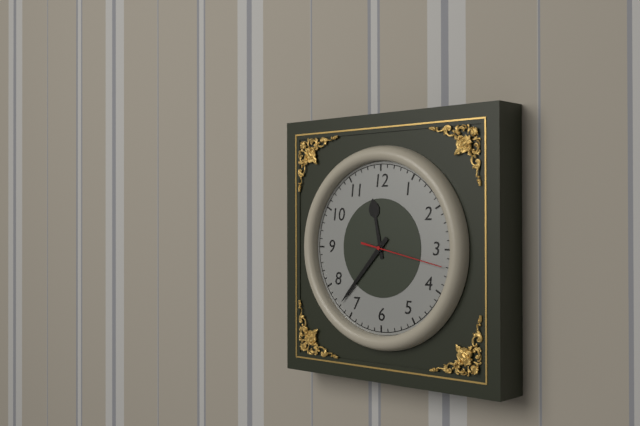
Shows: 11:37:17
